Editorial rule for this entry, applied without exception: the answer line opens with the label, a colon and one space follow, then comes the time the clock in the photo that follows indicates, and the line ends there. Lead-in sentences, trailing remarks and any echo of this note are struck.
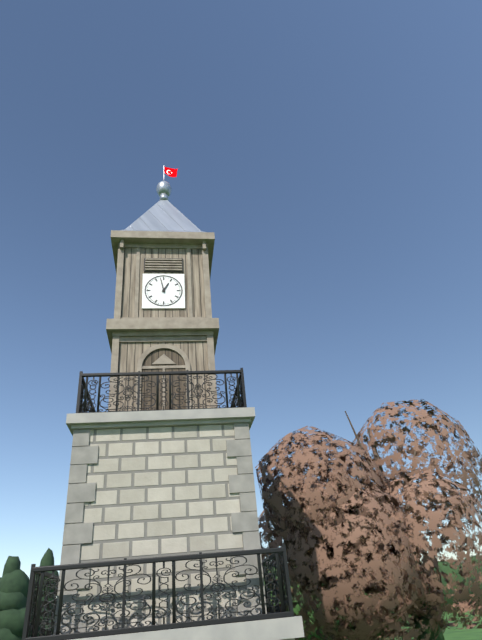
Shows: 12:58
